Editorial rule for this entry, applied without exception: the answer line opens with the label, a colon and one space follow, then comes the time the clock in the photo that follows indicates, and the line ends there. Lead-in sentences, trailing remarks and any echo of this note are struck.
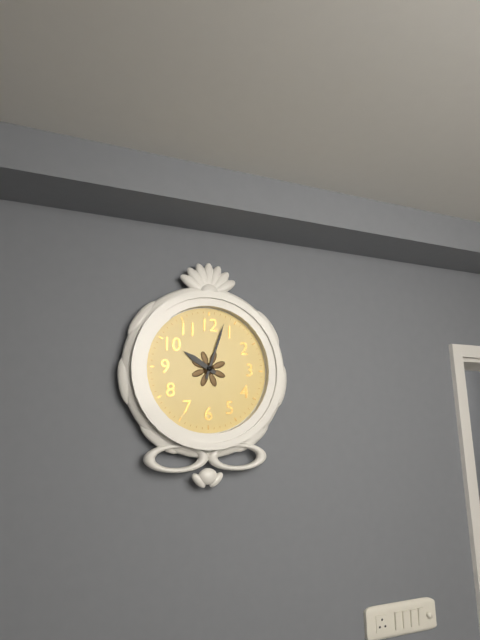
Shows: 10:03
